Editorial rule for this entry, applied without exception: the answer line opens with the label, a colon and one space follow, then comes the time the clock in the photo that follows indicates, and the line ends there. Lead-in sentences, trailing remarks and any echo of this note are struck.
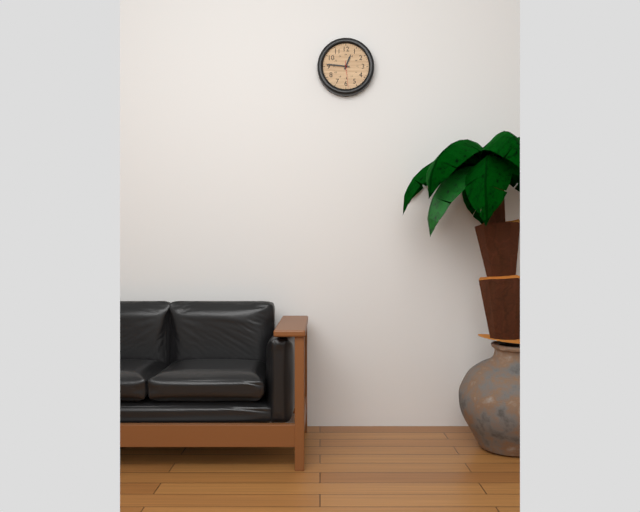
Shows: 12:46
